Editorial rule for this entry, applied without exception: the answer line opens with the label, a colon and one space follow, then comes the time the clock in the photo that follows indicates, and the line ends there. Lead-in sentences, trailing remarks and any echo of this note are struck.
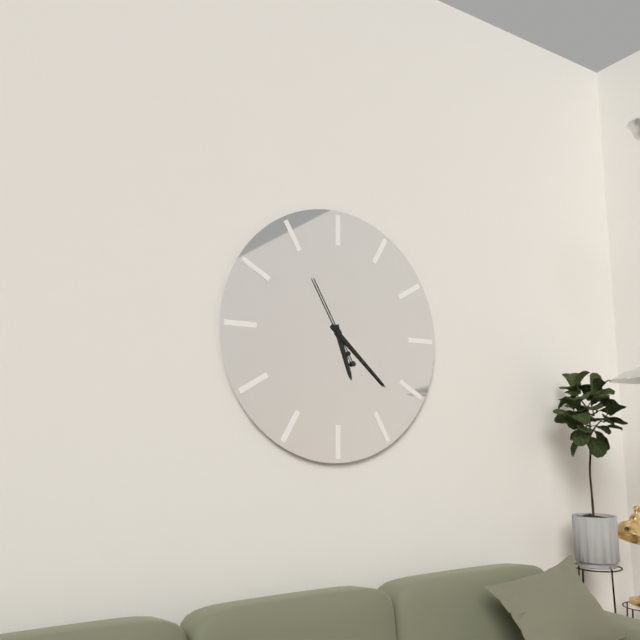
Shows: 5:22:55
